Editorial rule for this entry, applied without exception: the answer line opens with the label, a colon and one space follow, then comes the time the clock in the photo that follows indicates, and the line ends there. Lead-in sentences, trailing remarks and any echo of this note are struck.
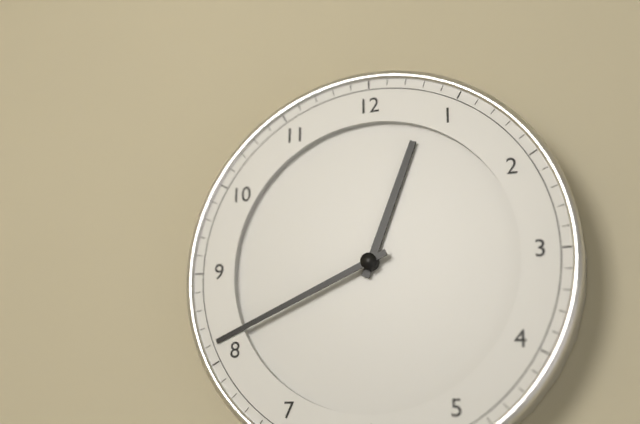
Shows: 12:41
